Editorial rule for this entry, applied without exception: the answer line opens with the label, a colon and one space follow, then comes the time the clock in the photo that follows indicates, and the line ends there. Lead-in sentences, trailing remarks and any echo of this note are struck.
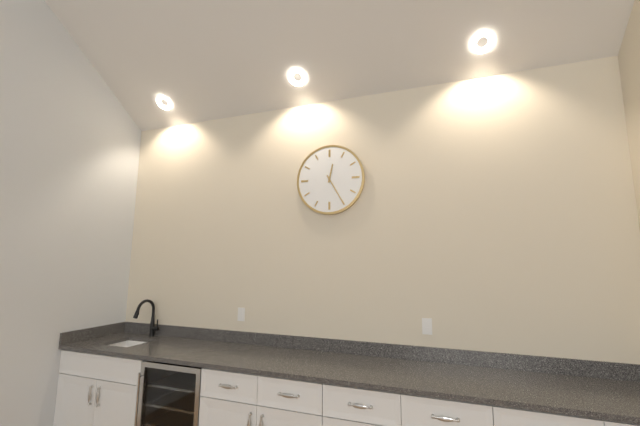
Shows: 12:25
